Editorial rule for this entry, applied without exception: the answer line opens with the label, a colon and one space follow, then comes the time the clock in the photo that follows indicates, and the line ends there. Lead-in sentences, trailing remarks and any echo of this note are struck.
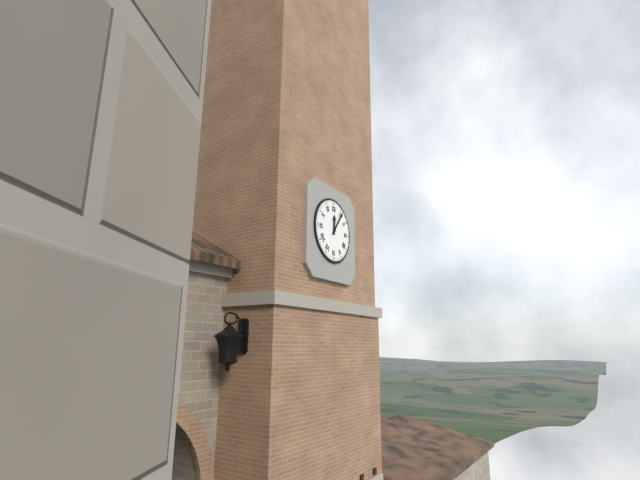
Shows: 12:06
